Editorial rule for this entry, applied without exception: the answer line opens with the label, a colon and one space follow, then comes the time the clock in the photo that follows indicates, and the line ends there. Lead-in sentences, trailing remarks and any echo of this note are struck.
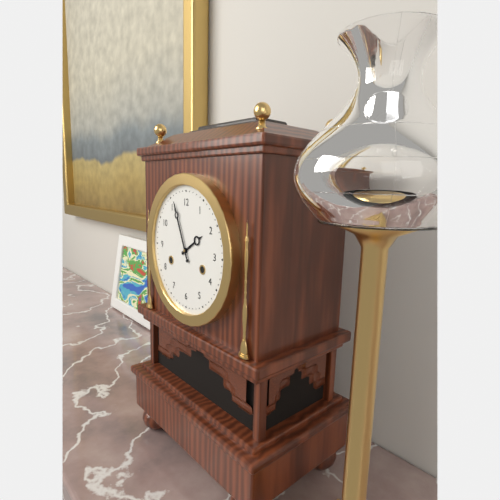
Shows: 1:56
